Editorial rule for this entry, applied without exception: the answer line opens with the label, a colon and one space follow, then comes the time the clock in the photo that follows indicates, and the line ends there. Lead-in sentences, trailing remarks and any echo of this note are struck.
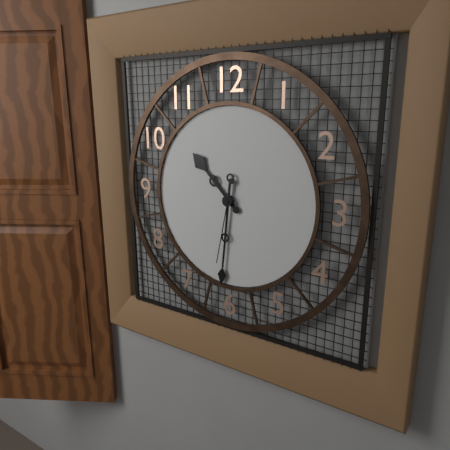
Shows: 10:31:32
